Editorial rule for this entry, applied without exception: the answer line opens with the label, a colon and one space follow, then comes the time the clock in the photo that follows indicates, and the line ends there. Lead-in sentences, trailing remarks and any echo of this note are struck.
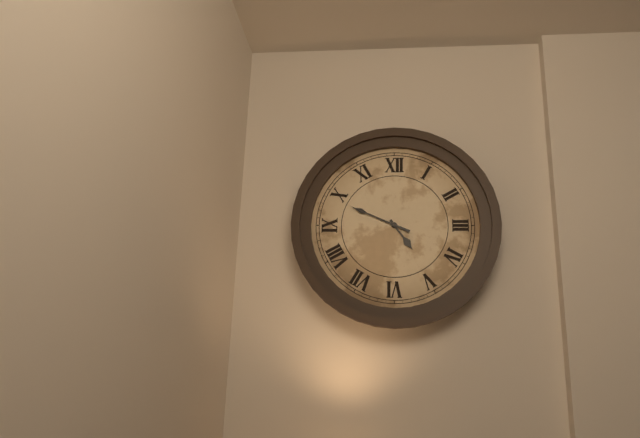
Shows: 4:49
